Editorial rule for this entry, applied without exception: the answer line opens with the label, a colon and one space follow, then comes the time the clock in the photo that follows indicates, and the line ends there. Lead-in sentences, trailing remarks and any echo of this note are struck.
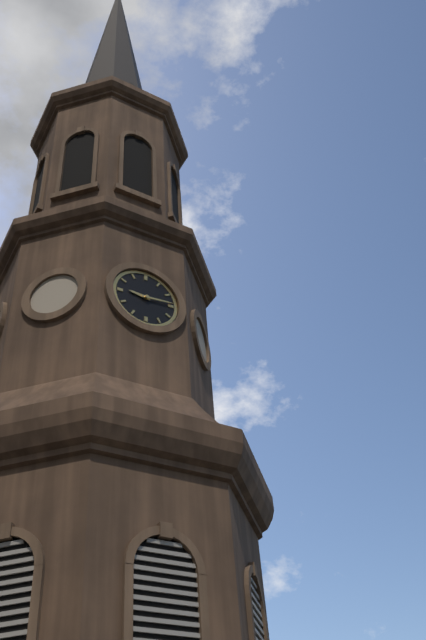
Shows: 9:14
